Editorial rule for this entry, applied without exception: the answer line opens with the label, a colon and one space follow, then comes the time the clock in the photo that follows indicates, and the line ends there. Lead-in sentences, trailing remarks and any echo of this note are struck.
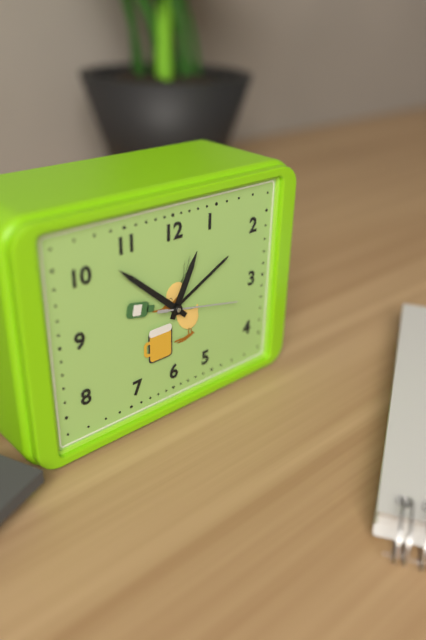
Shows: 12:52:17
